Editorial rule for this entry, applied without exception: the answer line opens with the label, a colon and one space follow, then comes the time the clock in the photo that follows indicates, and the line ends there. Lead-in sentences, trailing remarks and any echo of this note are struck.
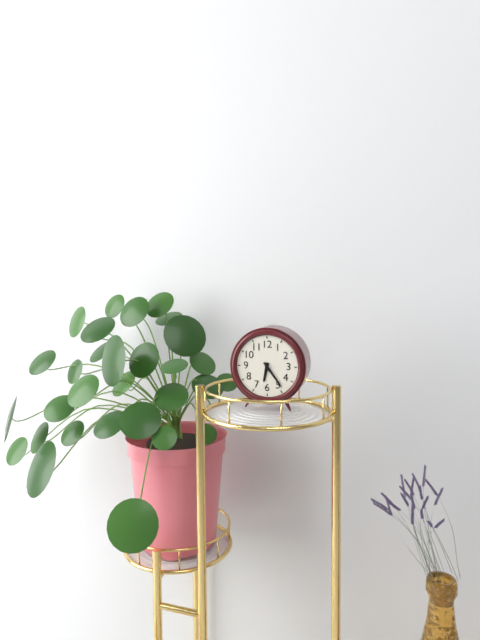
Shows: 6:24
